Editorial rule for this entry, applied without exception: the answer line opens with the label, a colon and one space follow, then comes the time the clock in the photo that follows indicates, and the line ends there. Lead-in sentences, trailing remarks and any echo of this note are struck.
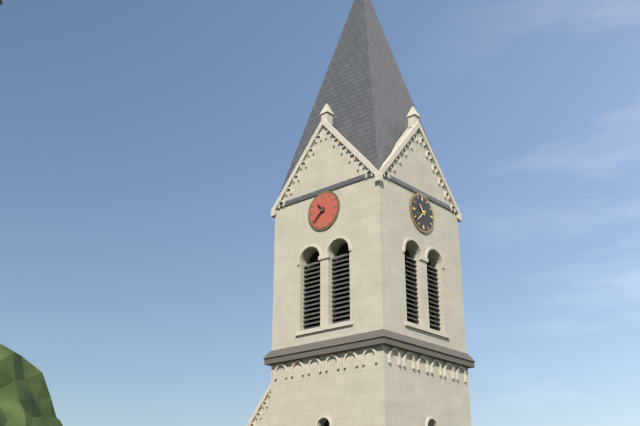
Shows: 10:38
